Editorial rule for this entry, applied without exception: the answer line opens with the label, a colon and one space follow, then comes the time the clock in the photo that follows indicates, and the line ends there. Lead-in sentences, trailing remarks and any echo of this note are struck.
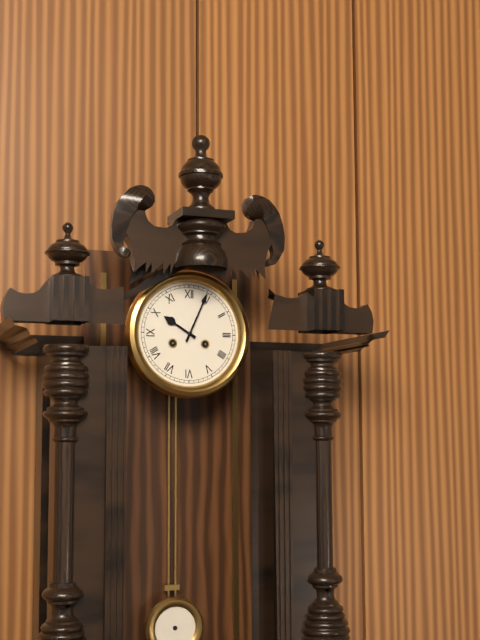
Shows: 10:04
